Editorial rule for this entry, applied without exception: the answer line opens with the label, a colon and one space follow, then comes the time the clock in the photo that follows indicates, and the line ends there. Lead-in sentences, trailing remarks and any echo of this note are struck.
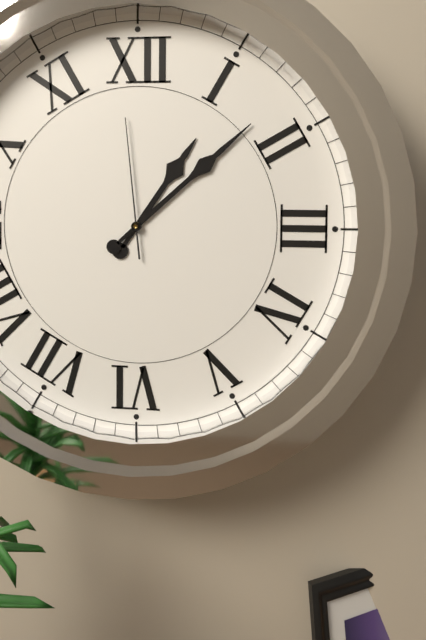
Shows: 1:08:59
